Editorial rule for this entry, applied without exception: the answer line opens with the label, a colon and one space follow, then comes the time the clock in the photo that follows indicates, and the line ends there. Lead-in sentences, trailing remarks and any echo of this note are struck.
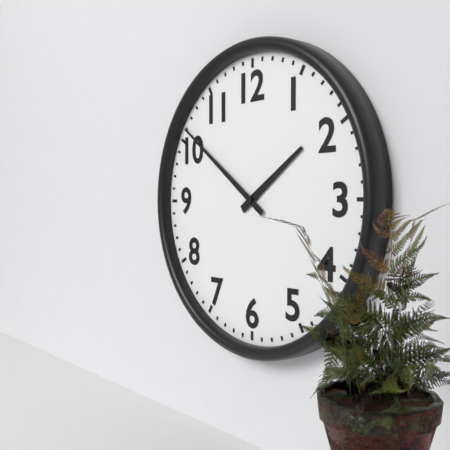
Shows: 1:51
